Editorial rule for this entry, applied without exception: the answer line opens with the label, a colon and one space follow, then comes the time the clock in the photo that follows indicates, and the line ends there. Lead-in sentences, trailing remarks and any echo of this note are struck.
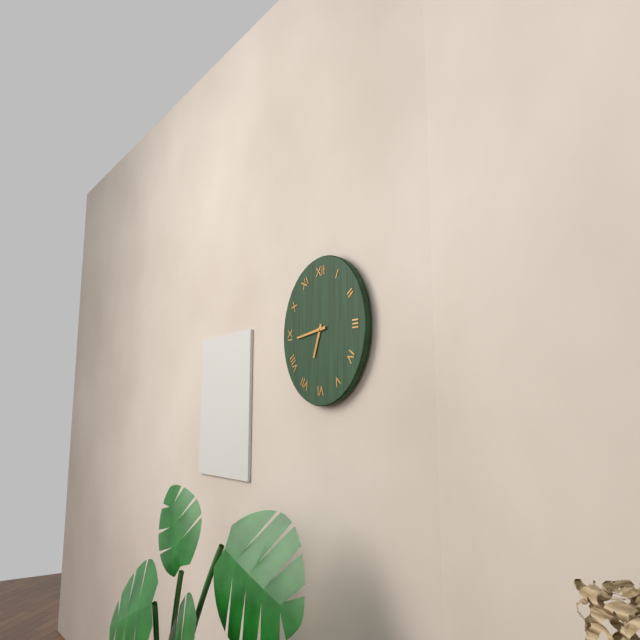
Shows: 6:44
